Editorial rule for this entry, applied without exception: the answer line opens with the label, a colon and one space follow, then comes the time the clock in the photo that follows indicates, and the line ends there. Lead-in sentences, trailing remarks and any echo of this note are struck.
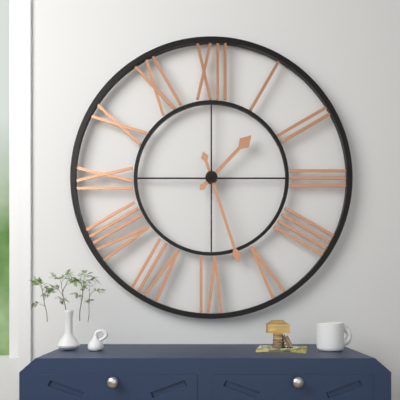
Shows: 1:27
